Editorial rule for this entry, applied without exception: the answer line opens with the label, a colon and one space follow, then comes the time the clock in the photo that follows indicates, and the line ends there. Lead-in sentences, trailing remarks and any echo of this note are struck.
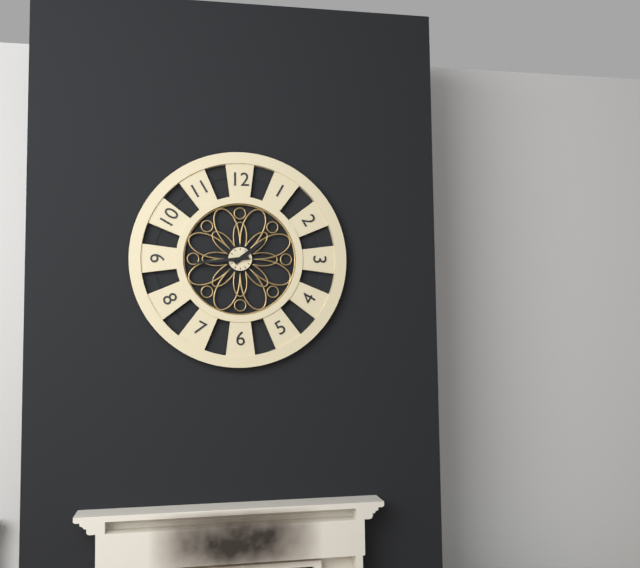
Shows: 1:44
